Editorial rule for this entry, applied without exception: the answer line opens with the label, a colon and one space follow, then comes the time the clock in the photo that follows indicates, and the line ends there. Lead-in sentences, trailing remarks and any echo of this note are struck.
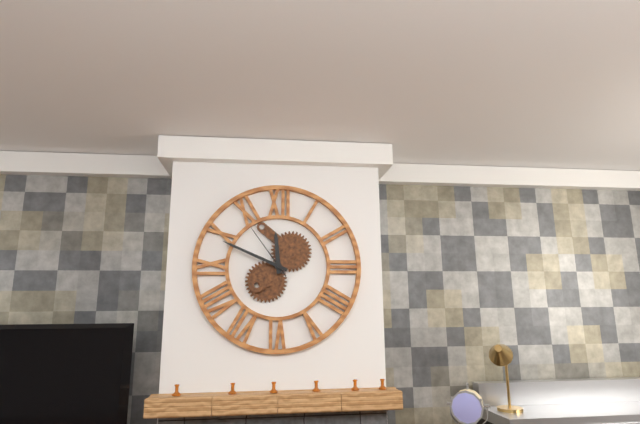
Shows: 11:49:54
